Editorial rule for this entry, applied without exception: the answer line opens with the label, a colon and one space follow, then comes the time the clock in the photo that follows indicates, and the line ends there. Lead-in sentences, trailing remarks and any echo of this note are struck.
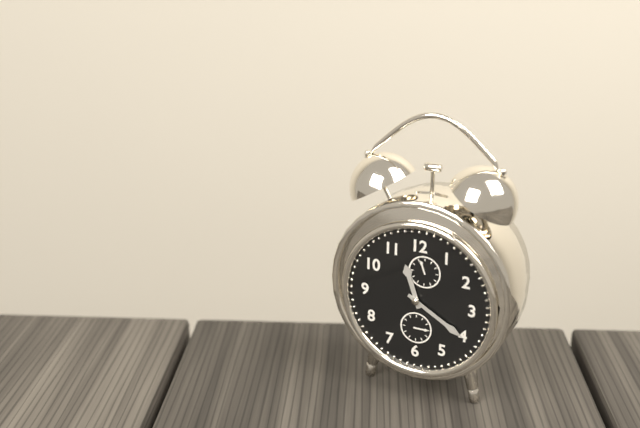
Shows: 11:20
